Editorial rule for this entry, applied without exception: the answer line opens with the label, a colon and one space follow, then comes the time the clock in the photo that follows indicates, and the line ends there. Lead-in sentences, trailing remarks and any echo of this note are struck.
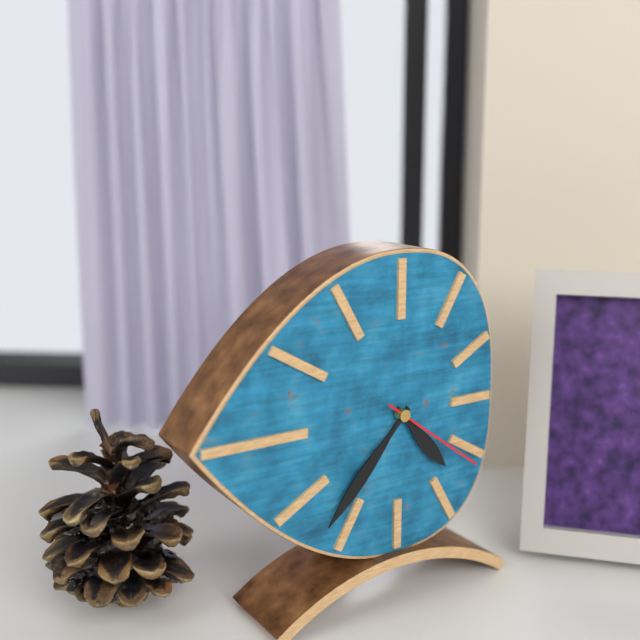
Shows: 4:37:21
